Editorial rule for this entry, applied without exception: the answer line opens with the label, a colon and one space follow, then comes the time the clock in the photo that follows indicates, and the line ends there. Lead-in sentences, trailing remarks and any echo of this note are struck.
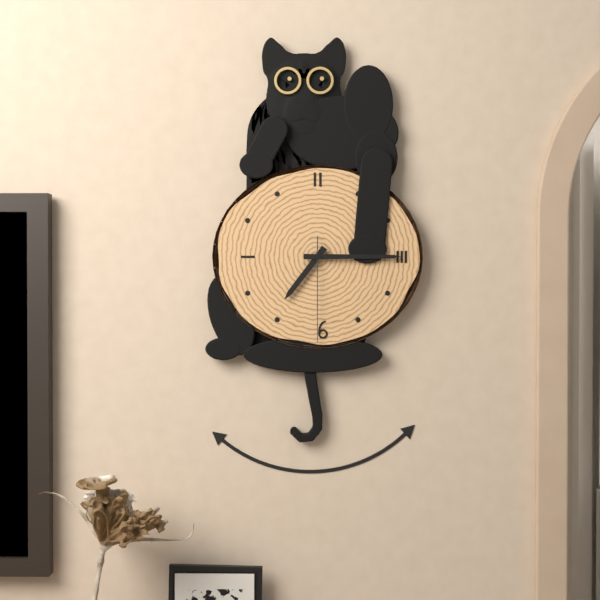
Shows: 7:15:30
